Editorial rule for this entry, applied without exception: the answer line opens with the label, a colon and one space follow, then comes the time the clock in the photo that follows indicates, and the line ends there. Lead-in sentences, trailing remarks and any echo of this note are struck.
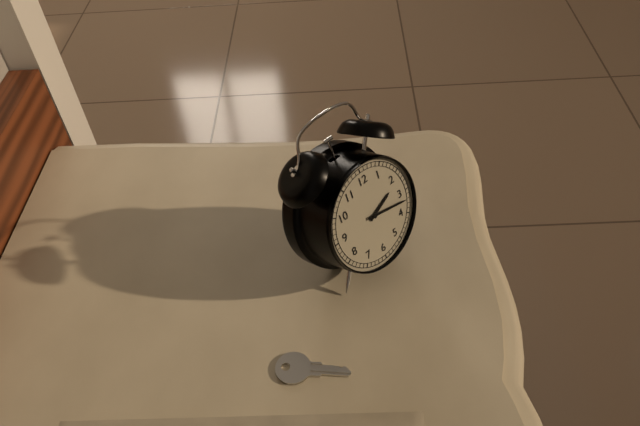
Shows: 2:17
